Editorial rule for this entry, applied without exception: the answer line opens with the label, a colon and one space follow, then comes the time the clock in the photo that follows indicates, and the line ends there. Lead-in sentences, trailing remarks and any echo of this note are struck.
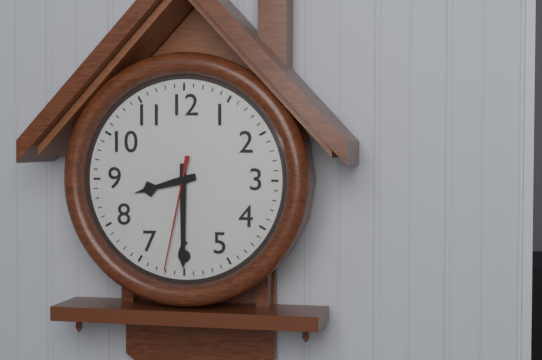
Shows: 8:30:32
